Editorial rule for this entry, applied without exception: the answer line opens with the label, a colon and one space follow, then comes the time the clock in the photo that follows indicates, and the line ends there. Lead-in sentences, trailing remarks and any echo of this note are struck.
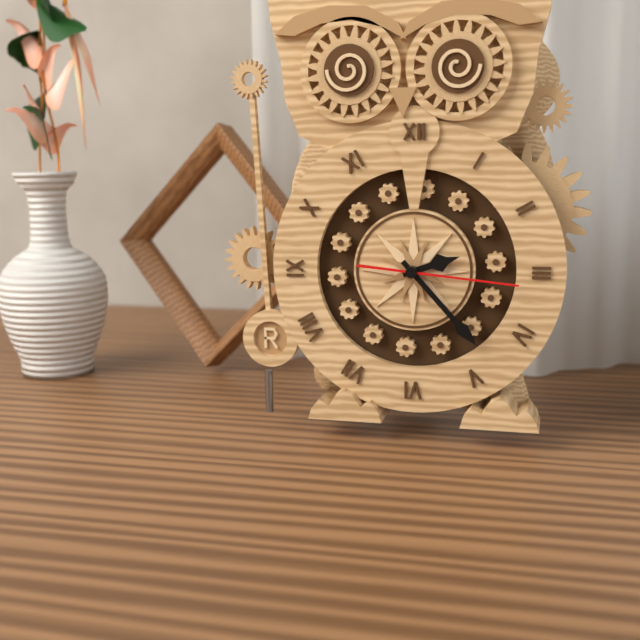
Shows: 2:23:16
